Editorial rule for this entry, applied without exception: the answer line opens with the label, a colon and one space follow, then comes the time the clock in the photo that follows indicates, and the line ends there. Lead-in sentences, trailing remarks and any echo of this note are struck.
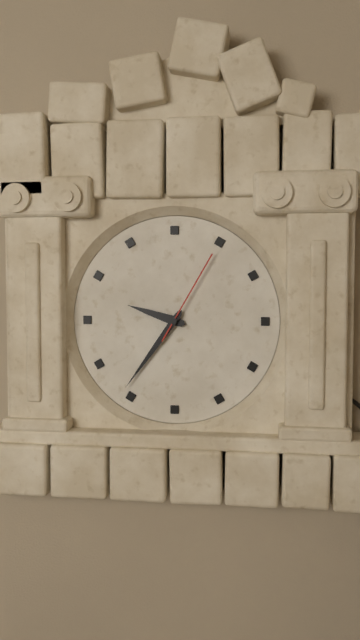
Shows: 9:36:05
